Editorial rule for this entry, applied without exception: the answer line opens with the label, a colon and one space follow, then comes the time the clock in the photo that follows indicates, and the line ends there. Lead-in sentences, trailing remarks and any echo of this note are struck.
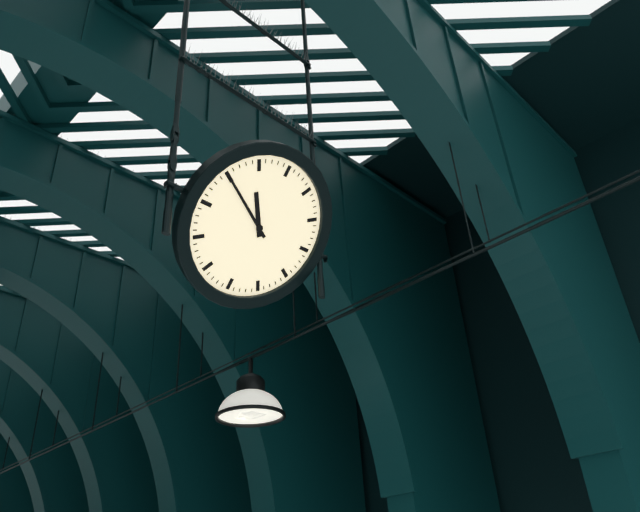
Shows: 10:50
